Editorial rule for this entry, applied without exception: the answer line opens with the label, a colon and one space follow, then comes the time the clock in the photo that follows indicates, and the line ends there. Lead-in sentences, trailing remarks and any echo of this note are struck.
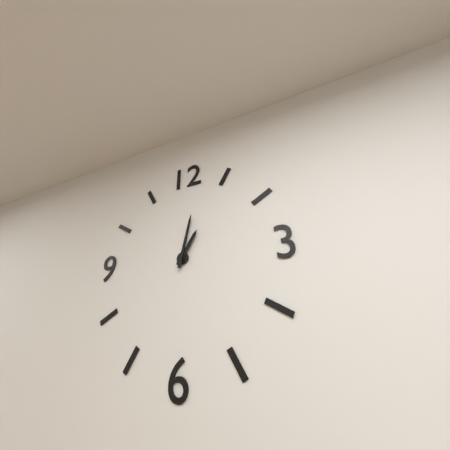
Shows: 1:02
